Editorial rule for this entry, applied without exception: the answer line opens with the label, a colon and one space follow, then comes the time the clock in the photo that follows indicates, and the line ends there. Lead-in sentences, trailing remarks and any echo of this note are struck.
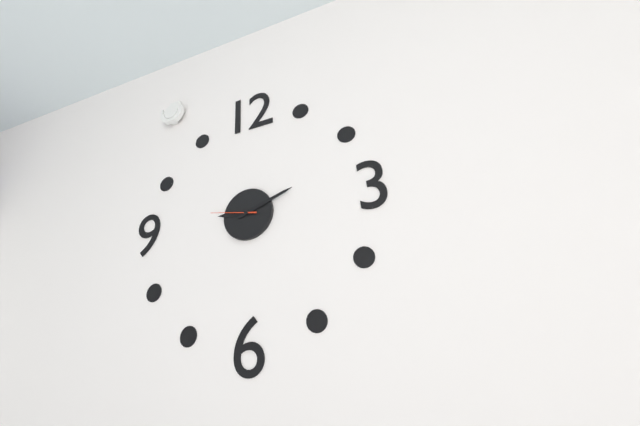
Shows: 9:12
